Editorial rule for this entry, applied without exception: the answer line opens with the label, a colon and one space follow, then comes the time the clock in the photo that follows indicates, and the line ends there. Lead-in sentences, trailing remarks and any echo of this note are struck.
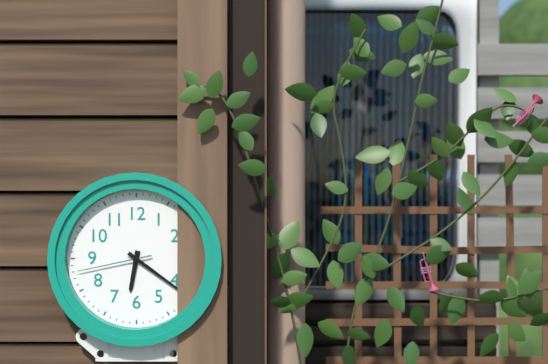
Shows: 6:21:43
